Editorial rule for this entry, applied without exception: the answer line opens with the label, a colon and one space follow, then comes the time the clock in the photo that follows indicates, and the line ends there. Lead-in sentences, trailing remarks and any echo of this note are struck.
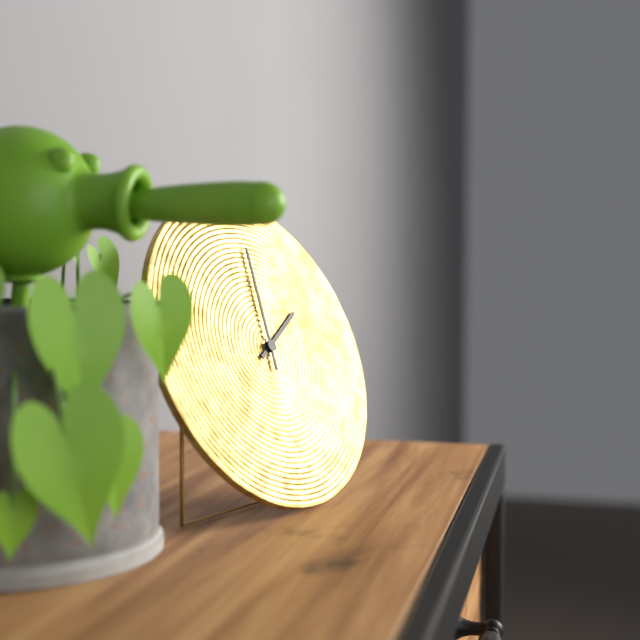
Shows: 2:01
